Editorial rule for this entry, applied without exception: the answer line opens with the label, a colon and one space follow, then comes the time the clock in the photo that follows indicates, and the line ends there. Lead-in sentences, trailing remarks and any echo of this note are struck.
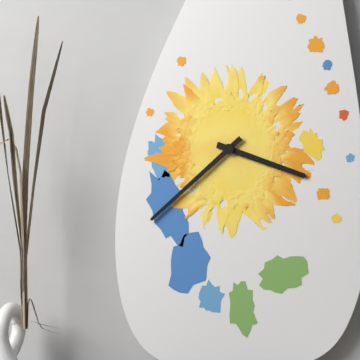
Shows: 3:38
